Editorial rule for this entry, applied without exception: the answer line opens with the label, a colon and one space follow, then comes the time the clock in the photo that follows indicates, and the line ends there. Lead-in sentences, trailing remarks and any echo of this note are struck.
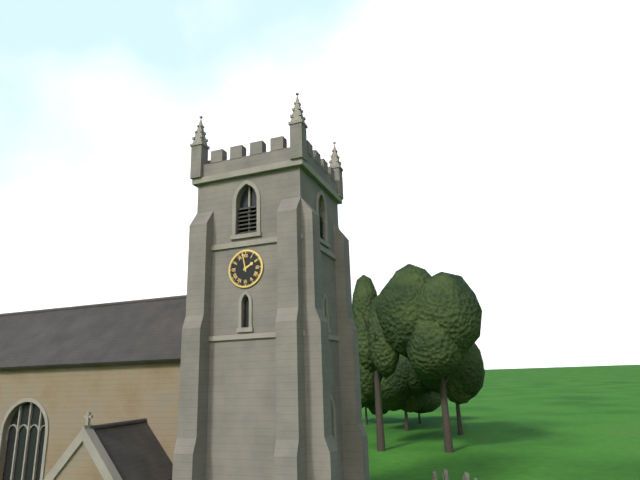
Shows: 1:58
